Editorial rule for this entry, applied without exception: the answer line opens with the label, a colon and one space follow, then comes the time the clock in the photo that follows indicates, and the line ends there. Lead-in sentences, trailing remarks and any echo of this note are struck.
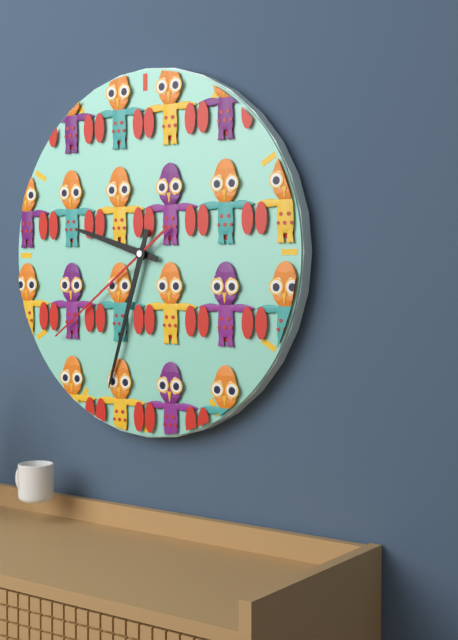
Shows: 9:33:39
